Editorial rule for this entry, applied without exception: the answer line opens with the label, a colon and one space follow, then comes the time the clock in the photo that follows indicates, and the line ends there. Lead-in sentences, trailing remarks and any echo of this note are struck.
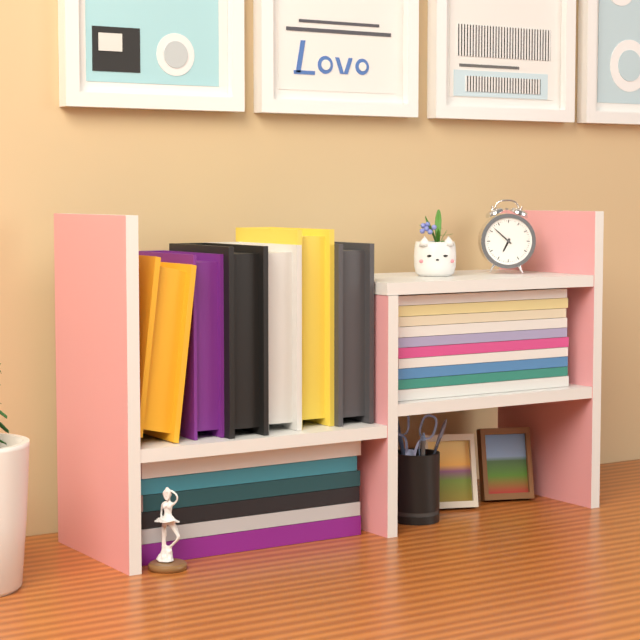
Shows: 6:52
